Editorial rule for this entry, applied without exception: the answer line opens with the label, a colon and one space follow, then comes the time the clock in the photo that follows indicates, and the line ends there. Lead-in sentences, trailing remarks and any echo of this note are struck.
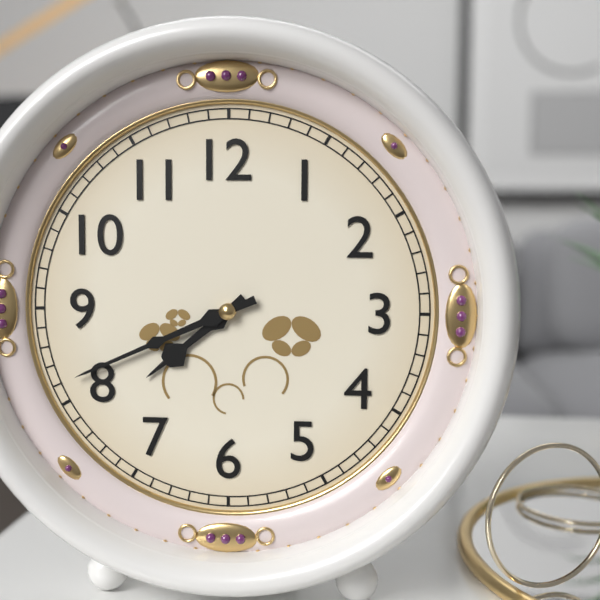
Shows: 7:41
